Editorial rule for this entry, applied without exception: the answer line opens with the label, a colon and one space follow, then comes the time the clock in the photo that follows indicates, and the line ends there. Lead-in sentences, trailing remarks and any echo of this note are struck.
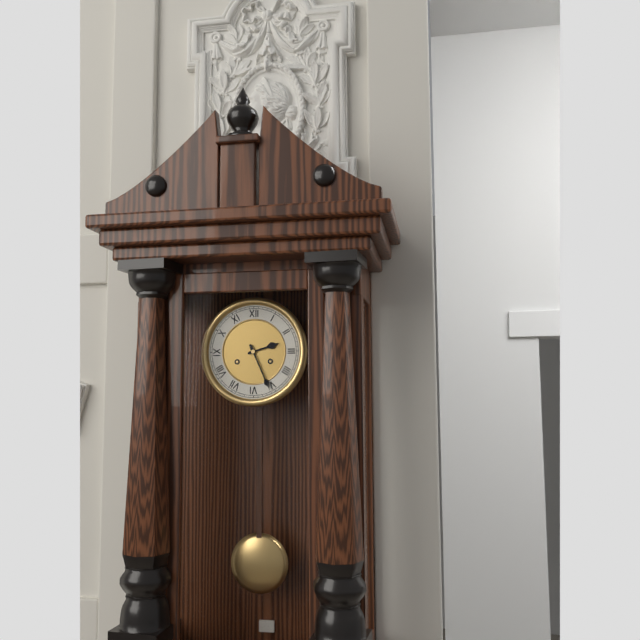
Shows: 2:26
